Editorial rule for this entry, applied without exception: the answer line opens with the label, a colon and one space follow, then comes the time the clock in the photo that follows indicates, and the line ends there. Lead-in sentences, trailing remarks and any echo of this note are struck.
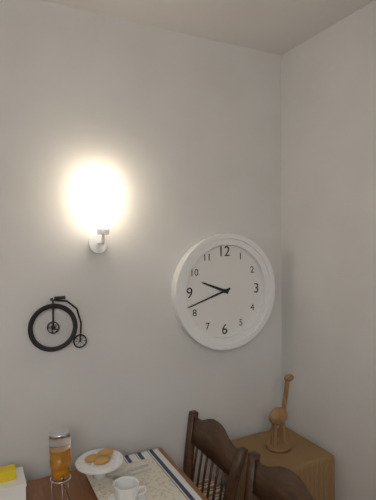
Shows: 9:42
